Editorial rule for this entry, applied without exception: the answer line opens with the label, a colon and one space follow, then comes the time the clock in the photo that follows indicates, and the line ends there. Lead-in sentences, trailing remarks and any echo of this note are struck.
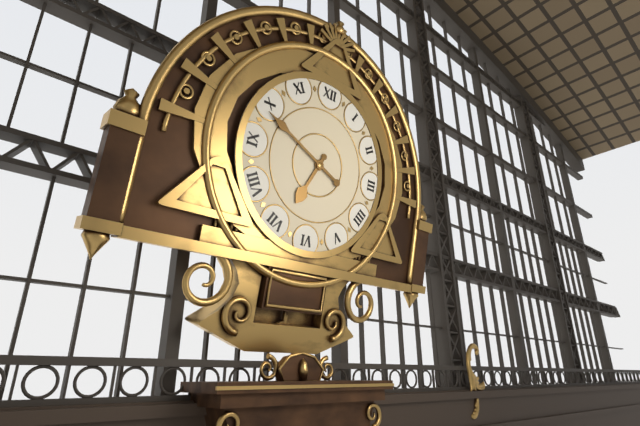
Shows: 6:49
